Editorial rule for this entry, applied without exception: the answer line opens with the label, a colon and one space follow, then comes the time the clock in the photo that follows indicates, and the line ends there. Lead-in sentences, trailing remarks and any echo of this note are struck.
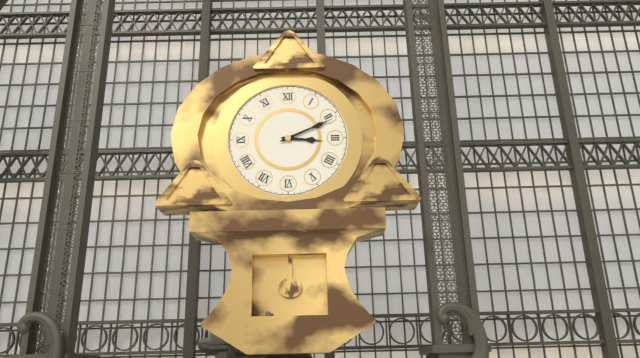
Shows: 3:11
